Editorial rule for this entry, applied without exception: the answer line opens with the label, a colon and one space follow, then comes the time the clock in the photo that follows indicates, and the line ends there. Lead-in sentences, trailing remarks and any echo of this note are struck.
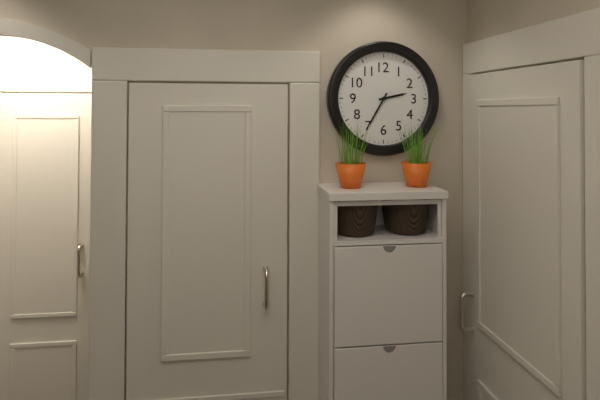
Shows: 2:35
